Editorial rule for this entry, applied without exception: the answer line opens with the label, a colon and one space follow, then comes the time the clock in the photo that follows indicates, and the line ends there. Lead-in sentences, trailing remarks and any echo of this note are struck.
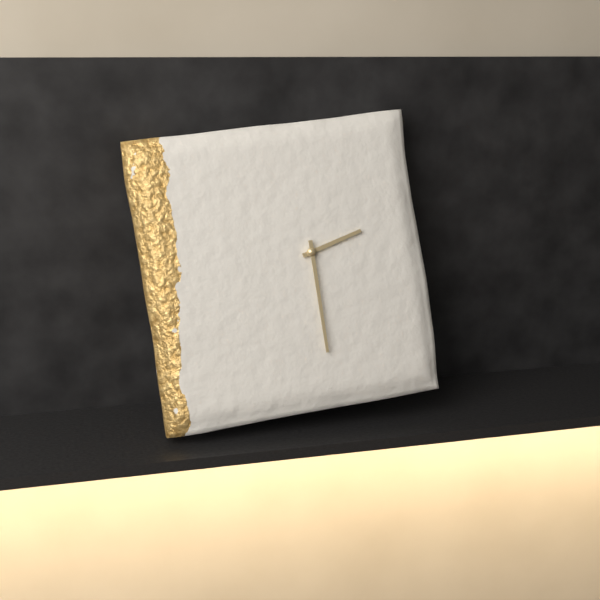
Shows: 2:30
